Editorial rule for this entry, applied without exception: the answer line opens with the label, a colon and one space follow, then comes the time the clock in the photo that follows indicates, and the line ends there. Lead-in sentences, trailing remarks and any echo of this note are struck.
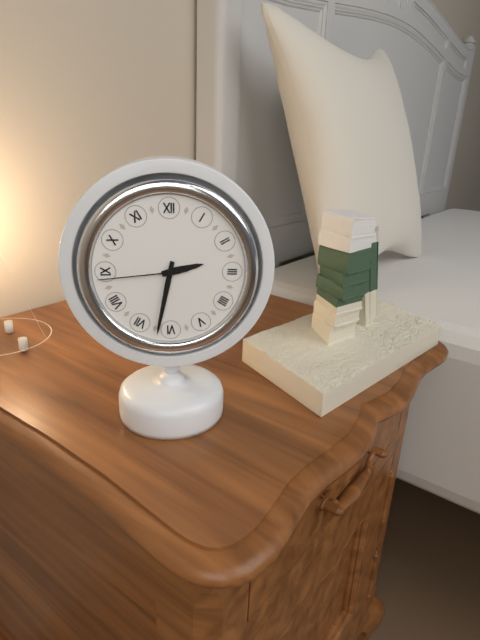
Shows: 2:32:44
